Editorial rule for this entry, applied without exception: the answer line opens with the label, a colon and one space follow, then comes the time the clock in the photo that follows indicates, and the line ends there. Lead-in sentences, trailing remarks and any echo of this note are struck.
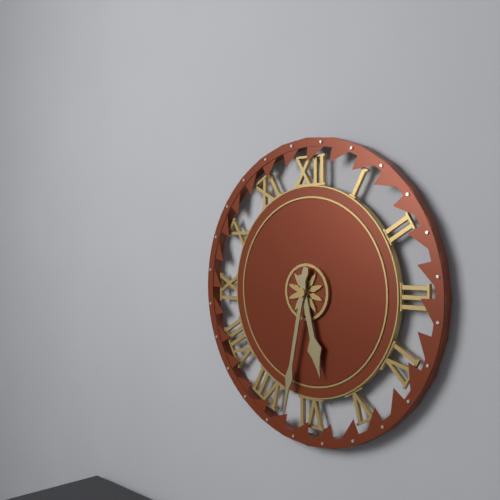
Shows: 5:32
